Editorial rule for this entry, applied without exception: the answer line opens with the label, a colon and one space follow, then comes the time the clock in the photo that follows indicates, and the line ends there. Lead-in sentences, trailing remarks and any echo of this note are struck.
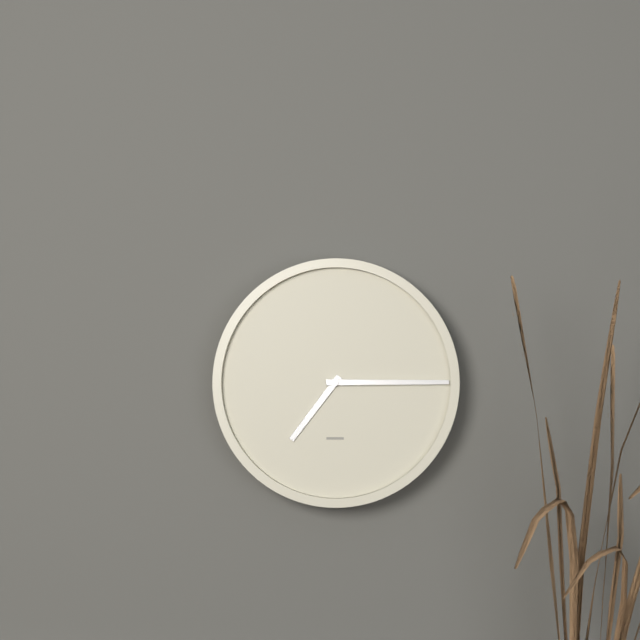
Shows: 7:15
